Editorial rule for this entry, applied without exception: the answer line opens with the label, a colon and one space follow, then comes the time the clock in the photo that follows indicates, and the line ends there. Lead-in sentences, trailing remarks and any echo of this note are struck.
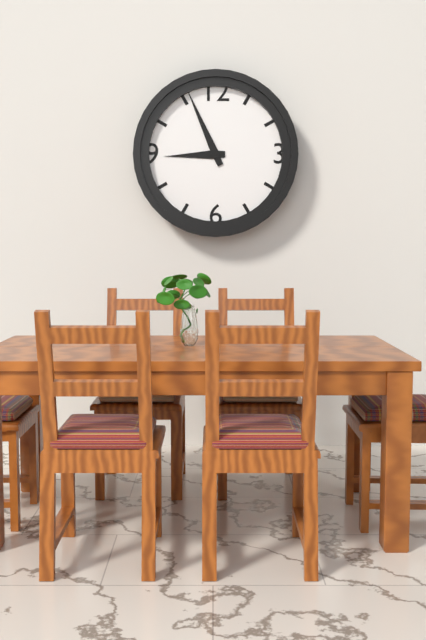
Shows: 8:56
